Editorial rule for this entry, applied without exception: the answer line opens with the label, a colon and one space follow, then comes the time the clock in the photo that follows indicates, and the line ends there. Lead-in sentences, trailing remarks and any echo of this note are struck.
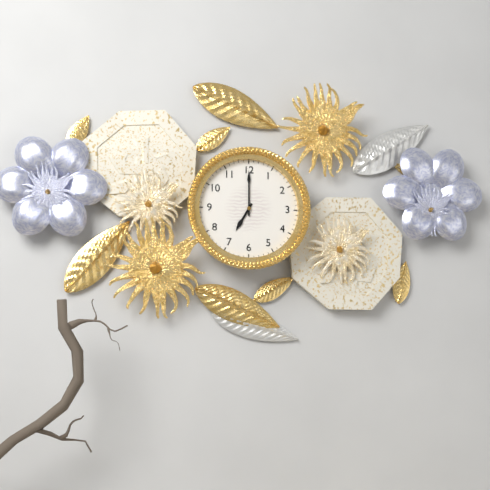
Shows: 7:00
